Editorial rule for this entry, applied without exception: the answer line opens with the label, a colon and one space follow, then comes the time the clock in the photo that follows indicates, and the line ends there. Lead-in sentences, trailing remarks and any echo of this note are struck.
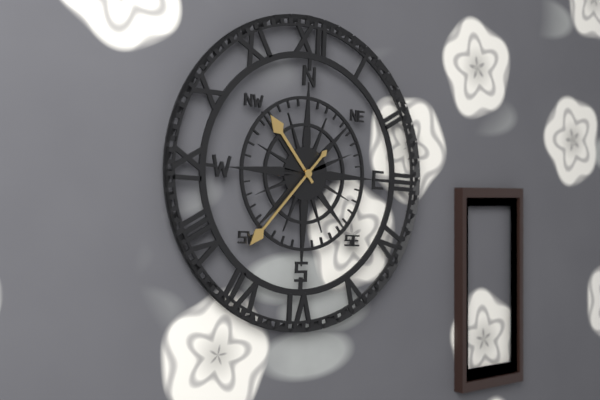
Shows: 10:37
